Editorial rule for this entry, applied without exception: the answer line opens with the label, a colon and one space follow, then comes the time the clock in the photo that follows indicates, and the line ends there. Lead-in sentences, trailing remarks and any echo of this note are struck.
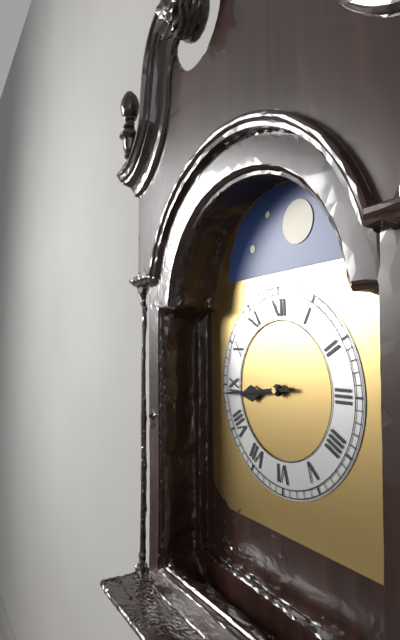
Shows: 8:44
